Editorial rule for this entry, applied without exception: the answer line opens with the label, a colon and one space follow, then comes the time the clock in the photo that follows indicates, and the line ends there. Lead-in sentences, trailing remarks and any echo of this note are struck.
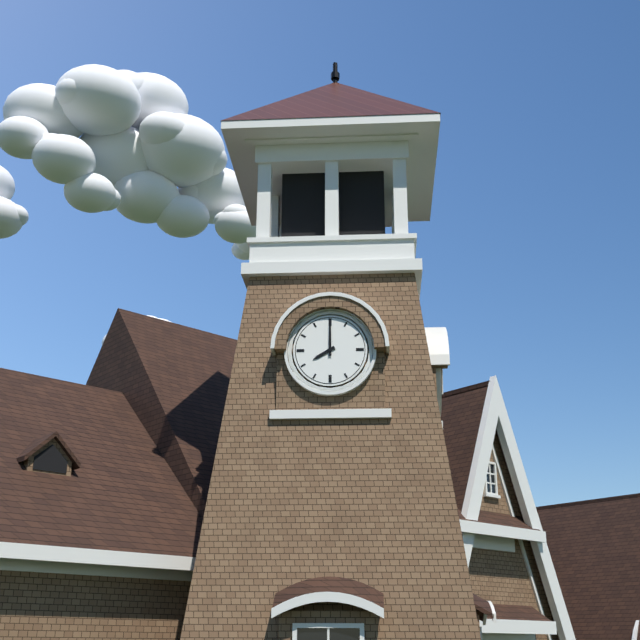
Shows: 8:00
